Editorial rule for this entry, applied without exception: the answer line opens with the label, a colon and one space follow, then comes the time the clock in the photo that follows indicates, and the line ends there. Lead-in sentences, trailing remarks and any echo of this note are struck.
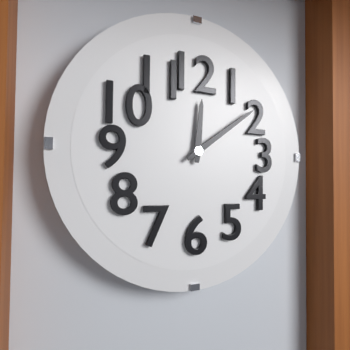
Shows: 12:09
